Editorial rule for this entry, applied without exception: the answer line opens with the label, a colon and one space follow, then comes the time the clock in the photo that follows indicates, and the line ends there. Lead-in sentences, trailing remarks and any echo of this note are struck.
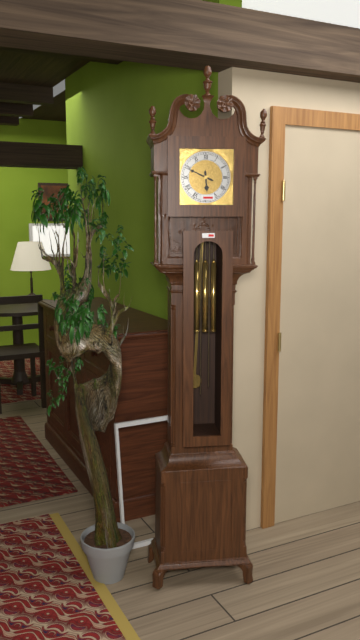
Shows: 5:49
